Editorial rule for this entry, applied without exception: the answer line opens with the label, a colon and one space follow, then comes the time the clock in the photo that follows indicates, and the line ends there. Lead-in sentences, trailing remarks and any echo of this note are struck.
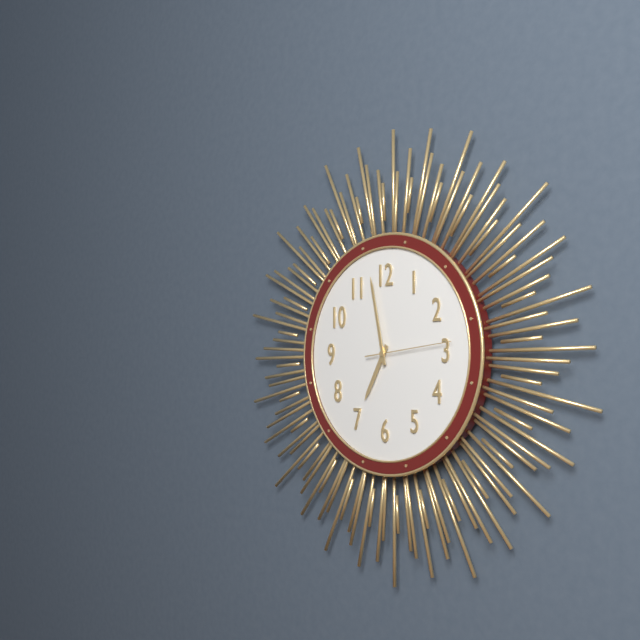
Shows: 6:58:14
